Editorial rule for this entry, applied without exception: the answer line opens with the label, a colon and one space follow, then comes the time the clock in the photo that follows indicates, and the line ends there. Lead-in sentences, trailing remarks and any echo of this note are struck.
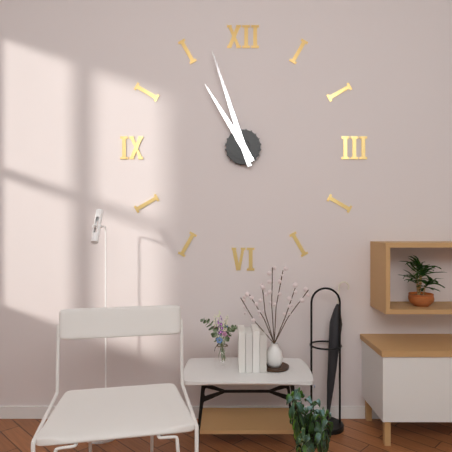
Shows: 10:57
